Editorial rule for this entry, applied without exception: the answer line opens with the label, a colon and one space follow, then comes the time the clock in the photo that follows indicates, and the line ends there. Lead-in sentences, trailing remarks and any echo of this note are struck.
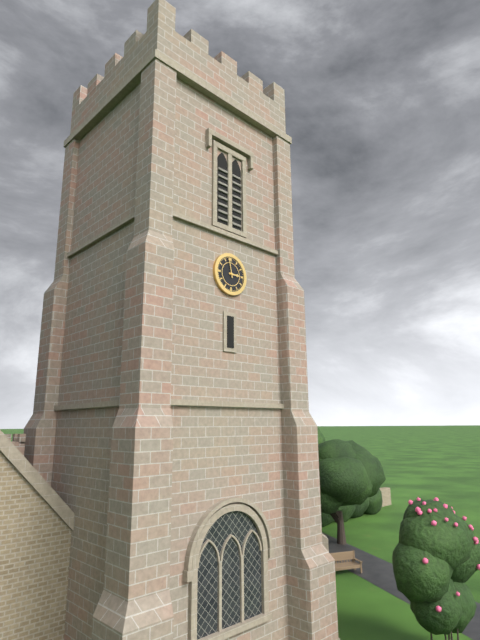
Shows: 2:58
